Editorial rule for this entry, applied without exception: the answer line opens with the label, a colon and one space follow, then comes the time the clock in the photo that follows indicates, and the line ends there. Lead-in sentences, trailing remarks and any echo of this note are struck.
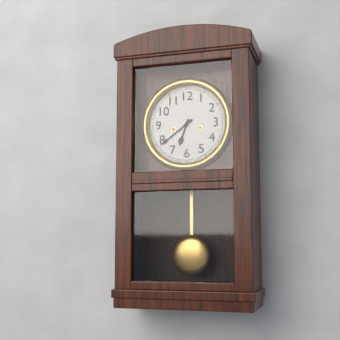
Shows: 6:39
